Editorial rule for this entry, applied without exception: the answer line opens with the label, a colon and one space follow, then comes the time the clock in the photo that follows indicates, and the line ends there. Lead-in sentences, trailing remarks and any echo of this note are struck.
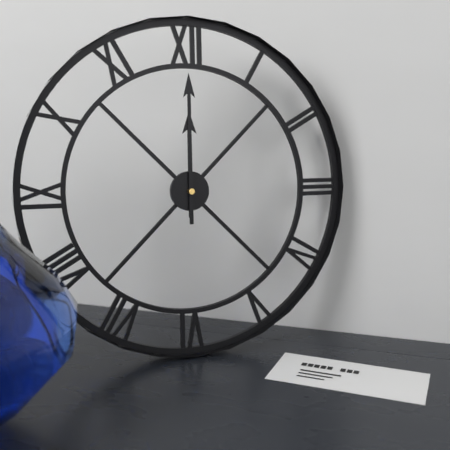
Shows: 12:00
